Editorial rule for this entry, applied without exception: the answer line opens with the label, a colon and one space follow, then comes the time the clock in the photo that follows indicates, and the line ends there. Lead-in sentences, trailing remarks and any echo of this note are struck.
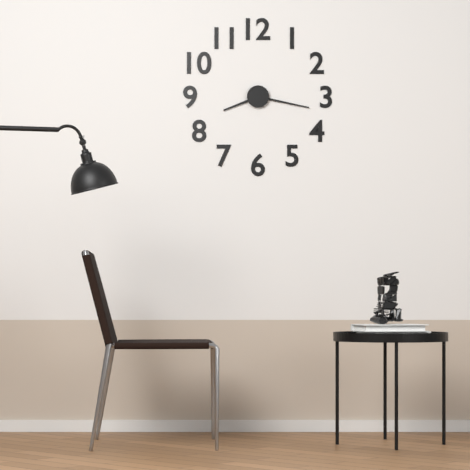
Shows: 8:17
